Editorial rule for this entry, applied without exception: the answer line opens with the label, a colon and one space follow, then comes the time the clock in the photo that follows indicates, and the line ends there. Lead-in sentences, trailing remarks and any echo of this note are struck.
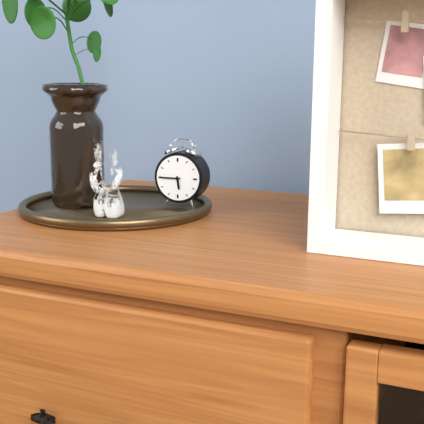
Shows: 5:45
